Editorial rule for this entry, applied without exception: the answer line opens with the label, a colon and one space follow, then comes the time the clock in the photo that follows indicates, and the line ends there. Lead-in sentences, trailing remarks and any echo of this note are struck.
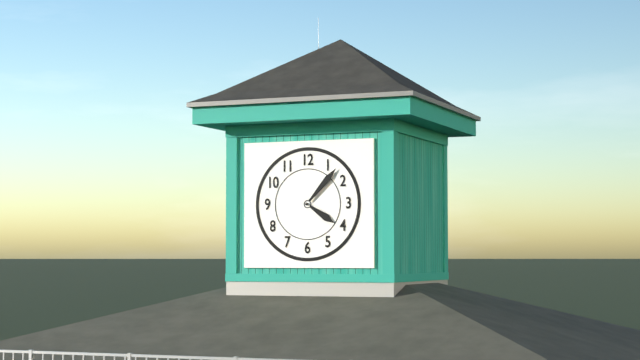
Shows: 4:07
